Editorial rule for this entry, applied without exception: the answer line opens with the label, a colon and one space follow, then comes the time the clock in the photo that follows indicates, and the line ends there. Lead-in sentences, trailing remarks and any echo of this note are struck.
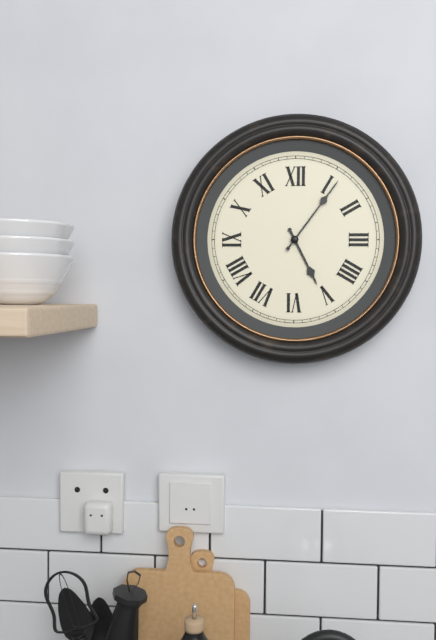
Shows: 5:06
